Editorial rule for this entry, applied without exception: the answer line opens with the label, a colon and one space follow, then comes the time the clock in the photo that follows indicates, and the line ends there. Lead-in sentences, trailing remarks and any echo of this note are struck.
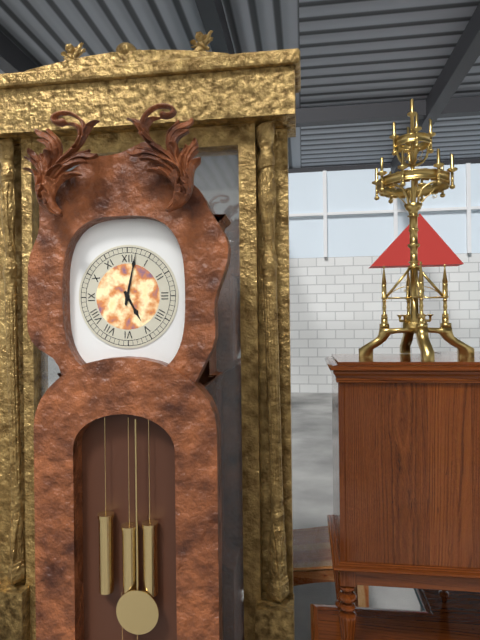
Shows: 5:02
